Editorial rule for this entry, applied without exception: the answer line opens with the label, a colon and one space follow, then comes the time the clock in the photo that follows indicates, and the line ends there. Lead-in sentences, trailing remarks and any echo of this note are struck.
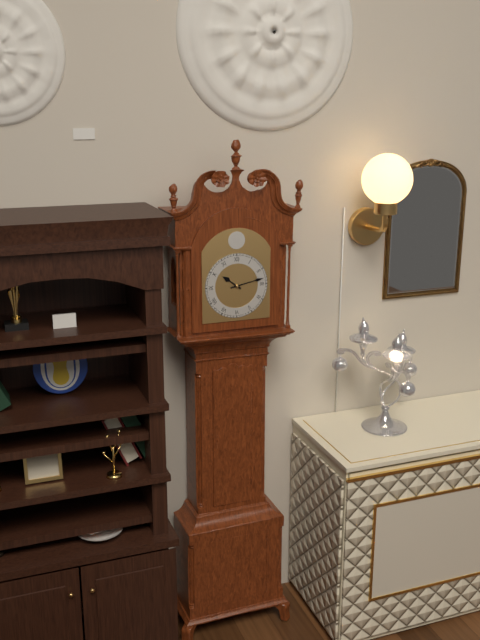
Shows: 10:13
